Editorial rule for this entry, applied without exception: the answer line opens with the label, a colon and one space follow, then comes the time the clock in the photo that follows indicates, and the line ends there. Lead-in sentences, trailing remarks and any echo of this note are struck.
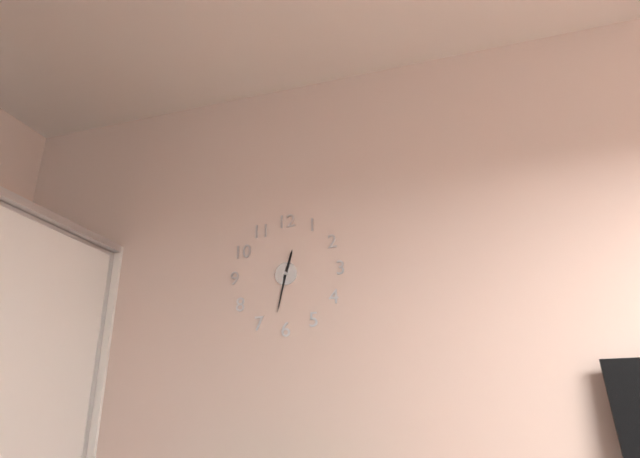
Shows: 12:32
